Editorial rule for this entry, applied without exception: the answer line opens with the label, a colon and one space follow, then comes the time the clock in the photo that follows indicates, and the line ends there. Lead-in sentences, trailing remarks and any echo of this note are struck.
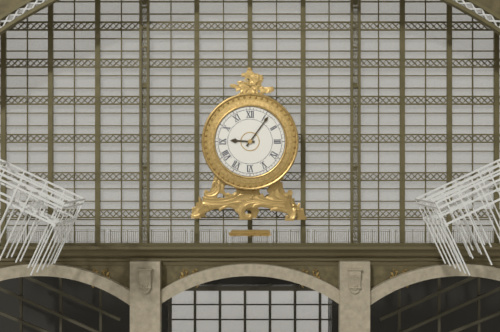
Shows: 9:06
